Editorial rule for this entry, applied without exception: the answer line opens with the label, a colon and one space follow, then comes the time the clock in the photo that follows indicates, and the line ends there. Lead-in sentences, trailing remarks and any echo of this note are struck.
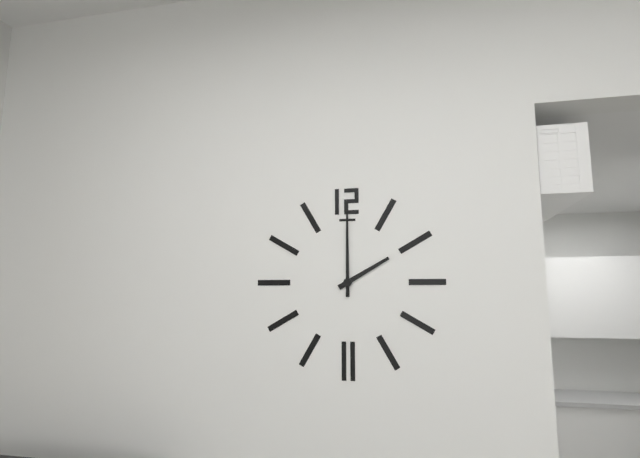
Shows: 2:00
